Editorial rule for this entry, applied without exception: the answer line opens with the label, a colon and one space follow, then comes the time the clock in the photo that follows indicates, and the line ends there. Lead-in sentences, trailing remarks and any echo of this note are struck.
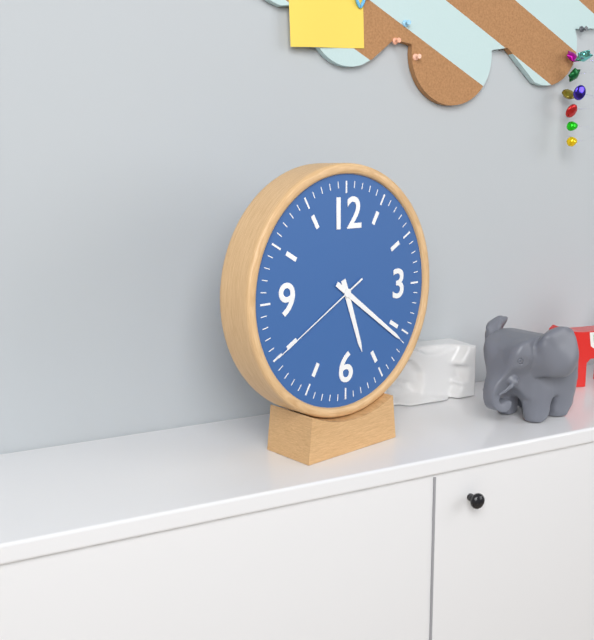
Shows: 5:21:40
